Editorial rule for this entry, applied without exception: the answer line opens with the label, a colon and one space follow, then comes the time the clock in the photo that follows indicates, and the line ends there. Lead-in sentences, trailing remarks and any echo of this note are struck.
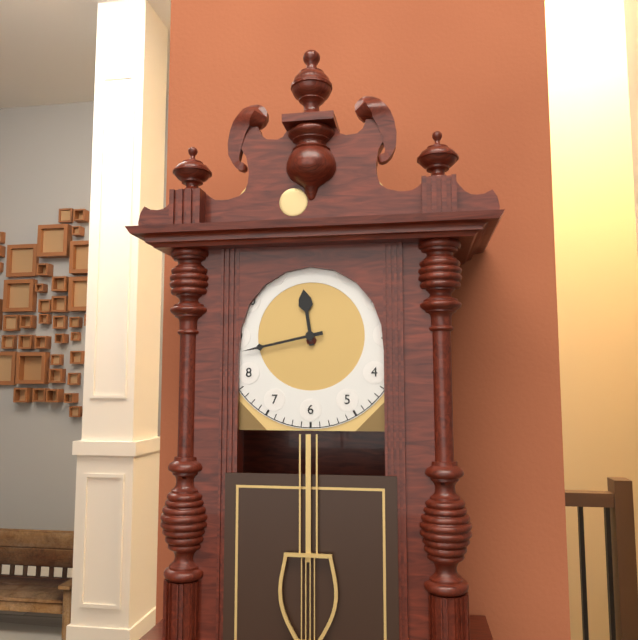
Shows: 11:43
